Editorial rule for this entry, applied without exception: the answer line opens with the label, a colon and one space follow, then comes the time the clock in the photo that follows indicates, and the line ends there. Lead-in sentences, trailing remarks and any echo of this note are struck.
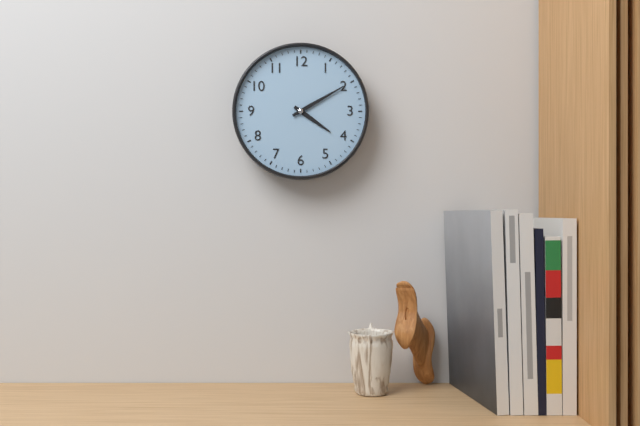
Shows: 4:10
